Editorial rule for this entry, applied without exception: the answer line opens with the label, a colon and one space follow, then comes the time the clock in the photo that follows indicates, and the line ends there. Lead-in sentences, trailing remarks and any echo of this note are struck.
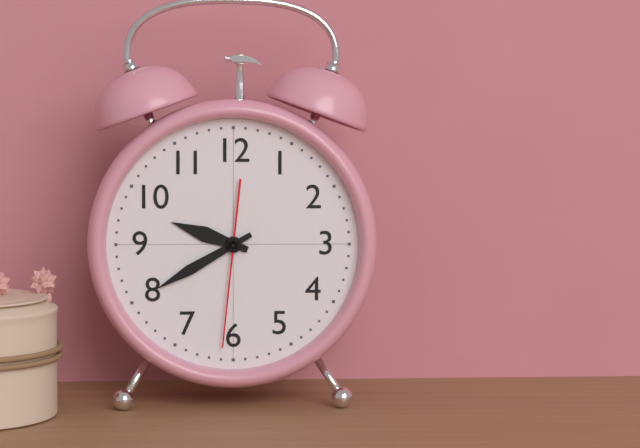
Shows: 9:40:31
